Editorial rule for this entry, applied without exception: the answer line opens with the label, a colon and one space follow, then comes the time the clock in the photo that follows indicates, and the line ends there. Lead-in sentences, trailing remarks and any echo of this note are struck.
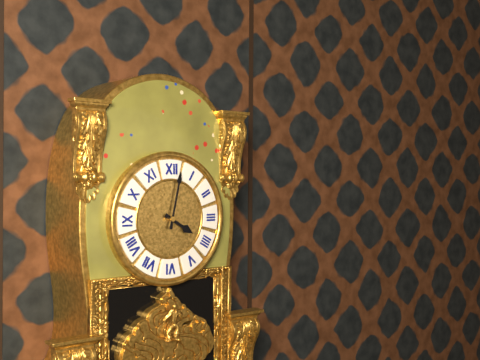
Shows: 4:02
